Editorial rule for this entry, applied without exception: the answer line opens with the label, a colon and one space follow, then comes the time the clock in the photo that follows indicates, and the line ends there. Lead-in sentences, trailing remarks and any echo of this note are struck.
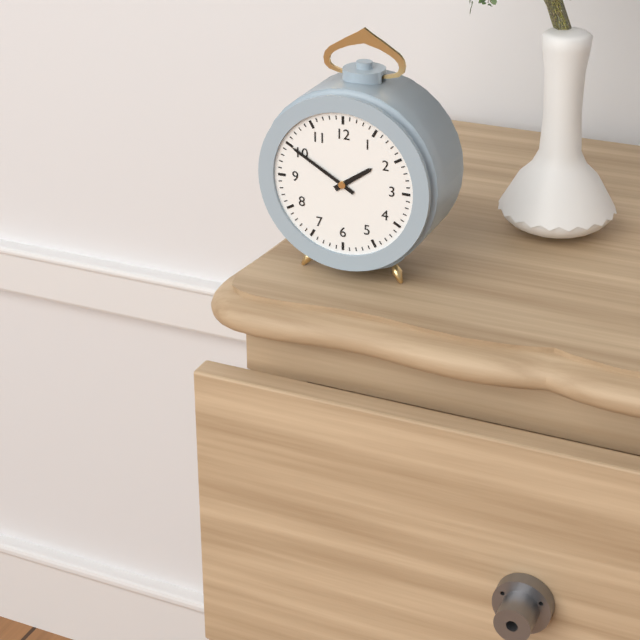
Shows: 1:50
